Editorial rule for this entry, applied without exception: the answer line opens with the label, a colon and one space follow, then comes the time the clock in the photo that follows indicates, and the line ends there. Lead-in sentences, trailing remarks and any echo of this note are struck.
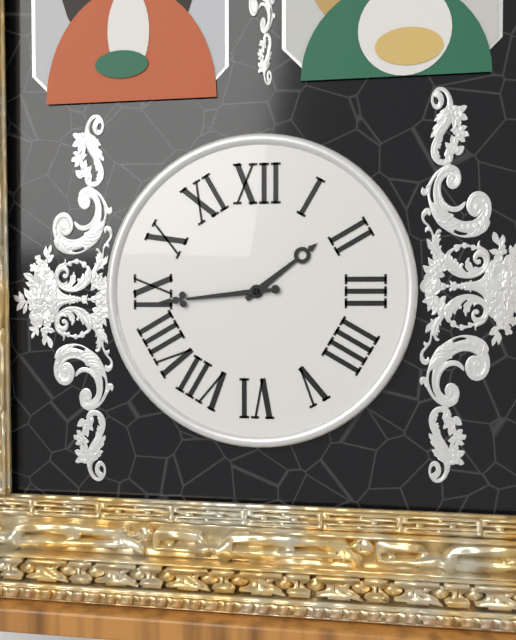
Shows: 1:44
